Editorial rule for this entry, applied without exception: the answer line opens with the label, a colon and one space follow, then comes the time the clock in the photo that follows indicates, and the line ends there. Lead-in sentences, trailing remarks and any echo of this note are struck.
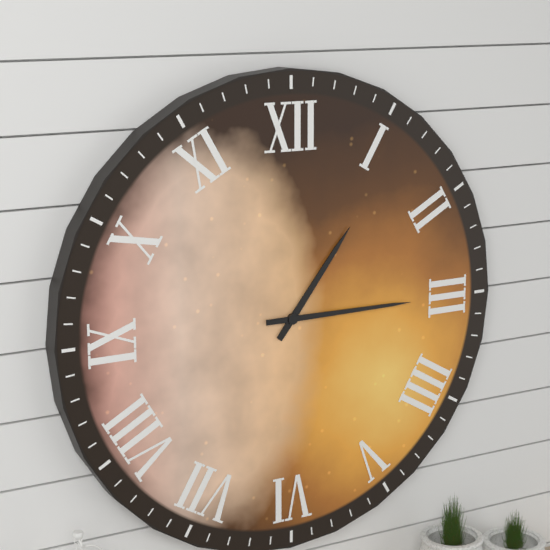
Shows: 1:15
